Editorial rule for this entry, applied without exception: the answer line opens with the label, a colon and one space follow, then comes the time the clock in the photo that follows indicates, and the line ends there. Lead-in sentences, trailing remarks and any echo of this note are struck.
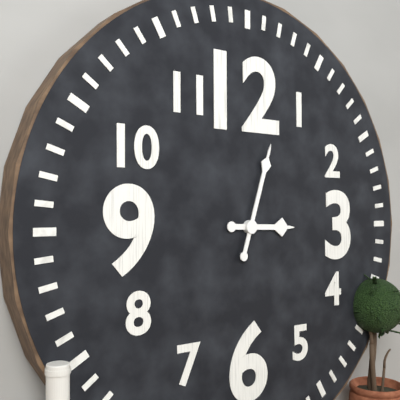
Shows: 3:03
